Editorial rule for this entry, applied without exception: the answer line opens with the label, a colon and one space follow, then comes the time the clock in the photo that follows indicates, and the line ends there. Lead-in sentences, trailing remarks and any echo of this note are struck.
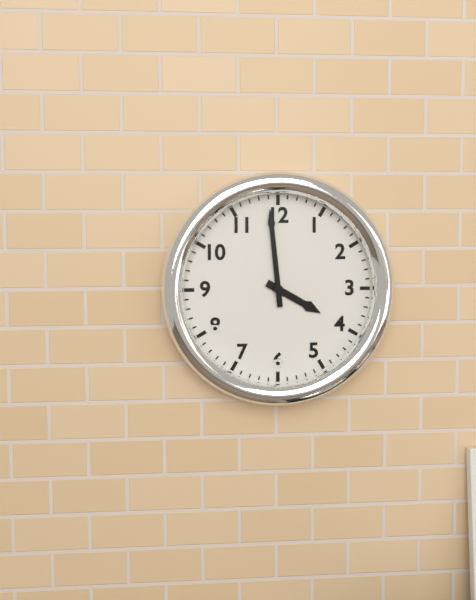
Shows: 3:59
